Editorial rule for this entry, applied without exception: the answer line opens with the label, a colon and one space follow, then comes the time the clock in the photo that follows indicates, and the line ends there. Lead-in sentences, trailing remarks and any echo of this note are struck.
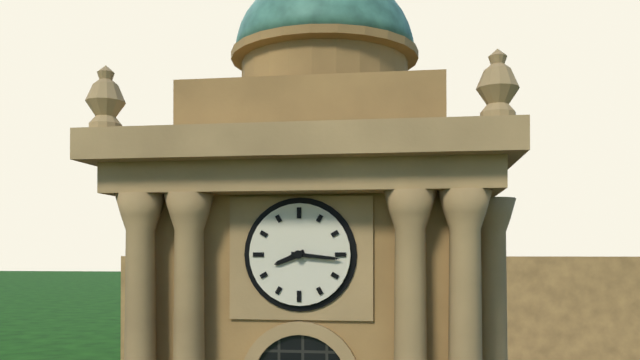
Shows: 8:16
